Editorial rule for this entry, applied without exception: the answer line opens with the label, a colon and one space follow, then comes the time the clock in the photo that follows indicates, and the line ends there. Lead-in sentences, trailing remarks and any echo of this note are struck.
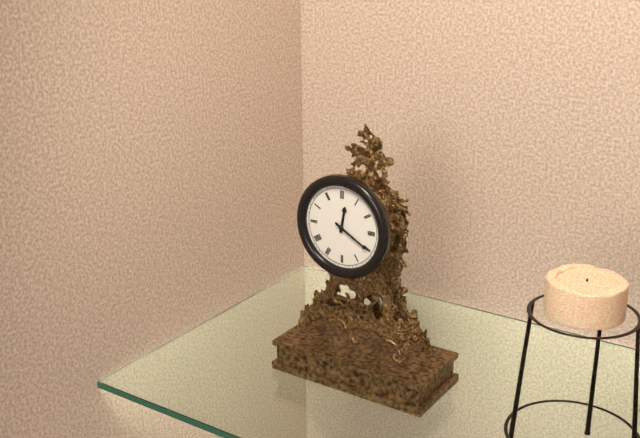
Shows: 12:20
